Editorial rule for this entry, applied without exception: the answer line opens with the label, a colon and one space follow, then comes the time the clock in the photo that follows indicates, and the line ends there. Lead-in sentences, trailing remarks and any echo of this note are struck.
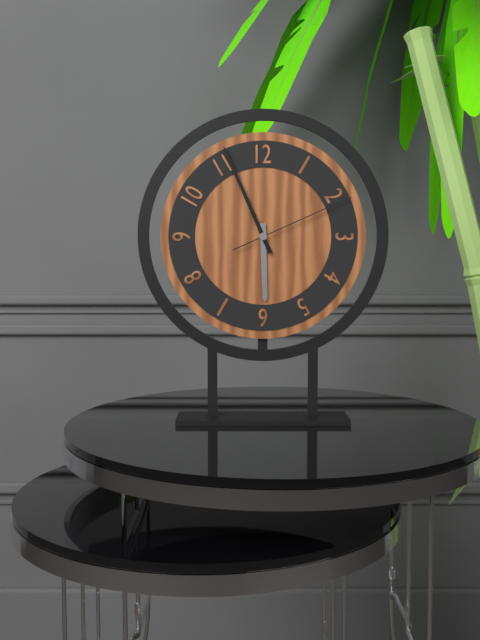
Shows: 5:56:11
